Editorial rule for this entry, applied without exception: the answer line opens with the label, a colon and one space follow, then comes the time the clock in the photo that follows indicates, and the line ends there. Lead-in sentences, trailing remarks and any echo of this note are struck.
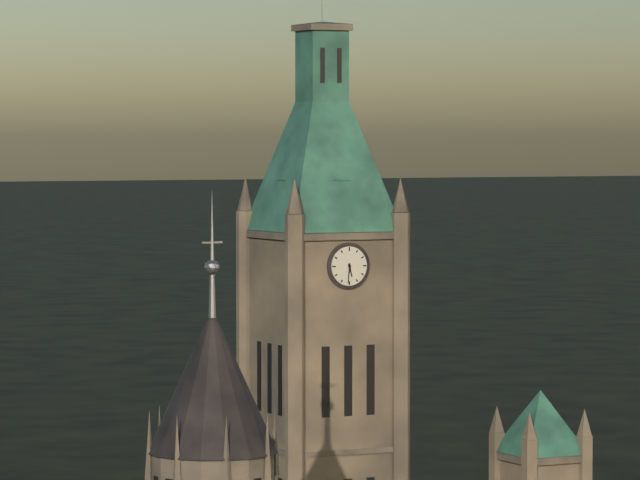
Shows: 5:31
